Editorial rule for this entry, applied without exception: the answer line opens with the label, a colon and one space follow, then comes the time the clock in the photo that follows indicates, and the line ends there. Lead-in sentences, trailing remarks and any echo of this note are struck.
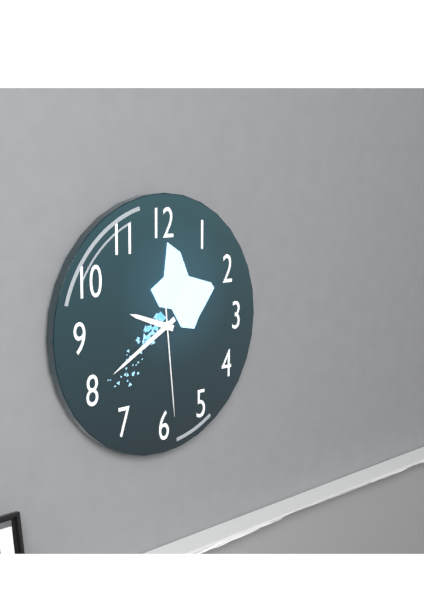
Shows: 9:40:29
